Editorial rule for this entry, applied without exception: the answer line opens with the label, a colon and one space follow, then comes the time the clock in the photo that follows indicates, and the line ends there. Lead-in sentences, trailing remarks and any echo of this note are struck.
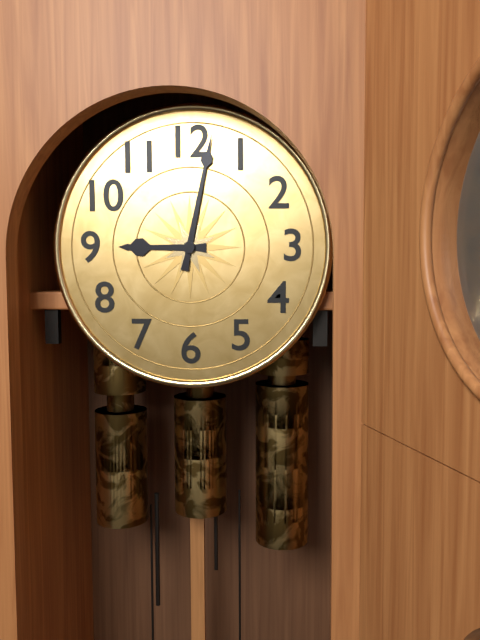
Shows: 9:02
